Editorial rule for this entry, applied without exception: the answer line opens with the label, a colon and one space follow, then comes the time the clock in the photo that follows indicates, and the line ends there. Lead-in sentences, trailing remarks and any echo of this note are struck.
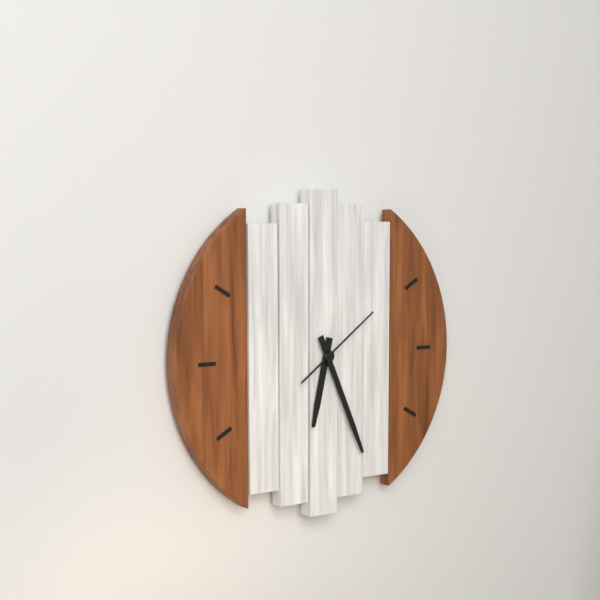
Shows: 6:26:09
